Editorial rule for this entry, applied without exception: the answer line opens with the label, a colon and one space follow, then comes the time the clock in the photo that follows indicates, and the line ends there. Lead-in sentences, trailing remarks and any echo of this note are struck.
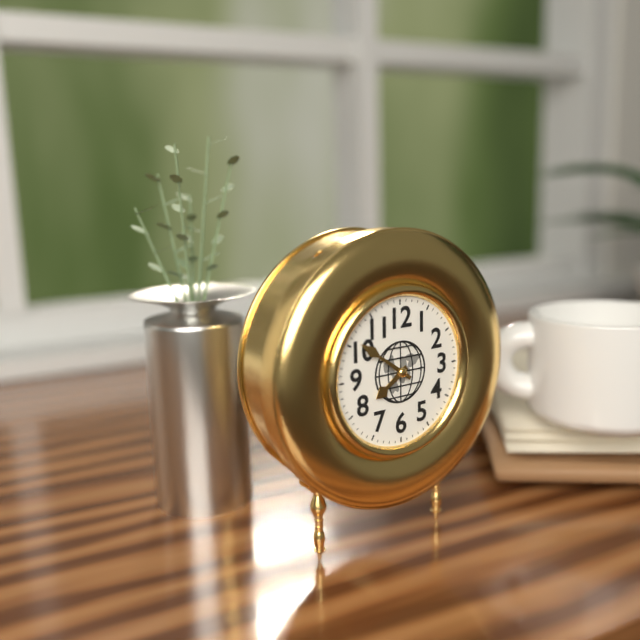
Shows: 7:51
